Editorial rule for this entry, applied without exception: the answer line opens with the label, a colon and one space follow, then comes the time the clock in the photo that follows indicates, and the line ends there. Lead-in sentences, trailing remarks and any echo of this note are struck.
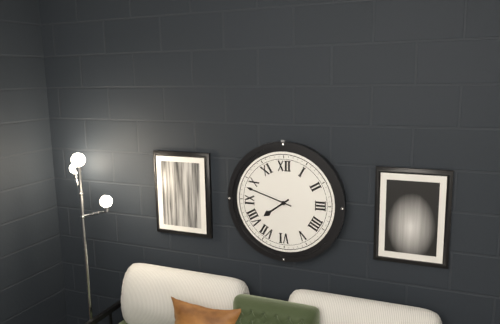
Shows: 7:48
